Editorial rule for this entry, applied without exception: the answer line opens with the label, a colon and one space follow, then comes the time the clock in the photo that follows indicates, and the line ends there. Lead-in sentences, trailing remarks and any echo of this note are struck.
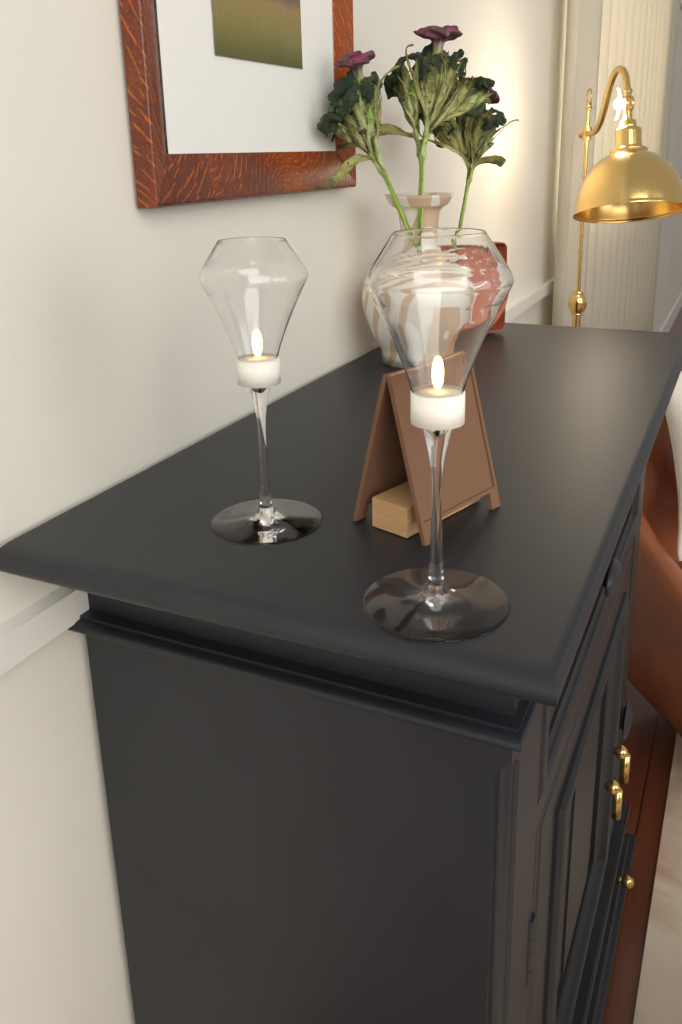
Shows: 1:32
